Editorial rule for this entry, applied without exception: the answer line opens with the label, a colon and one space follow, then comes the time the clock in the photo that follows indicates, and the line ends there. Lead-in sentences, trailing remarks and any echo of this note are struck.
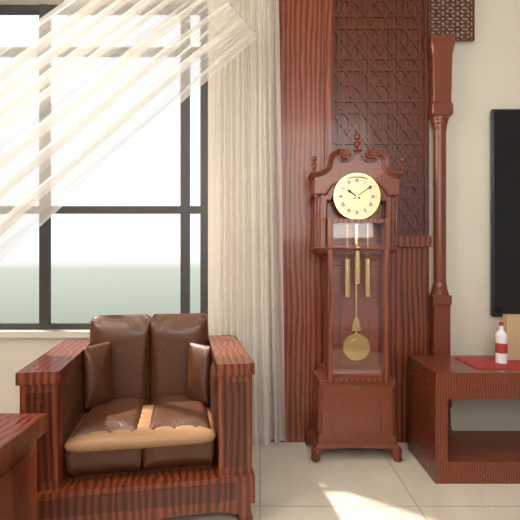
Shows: 10:09
